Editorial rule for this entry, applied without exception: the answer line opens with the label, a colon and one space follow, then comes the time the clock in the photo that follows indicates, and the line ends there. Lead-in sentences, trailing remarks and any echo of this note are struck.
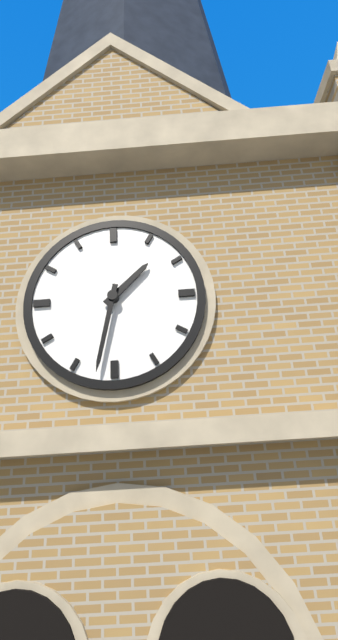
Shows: 1:32
